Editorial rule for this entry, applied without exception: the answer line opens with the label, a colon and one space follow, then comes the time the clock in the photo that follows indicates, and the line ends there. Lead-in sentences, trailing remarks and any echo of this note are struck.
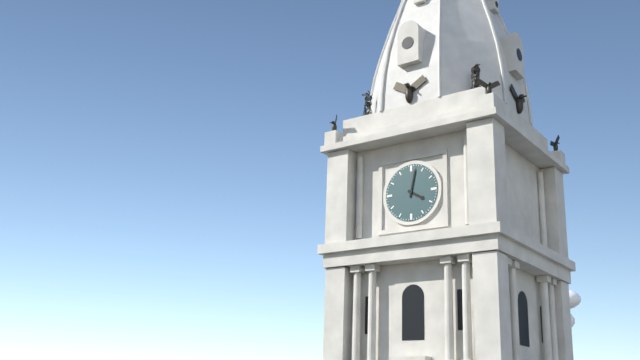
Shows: 4:02
